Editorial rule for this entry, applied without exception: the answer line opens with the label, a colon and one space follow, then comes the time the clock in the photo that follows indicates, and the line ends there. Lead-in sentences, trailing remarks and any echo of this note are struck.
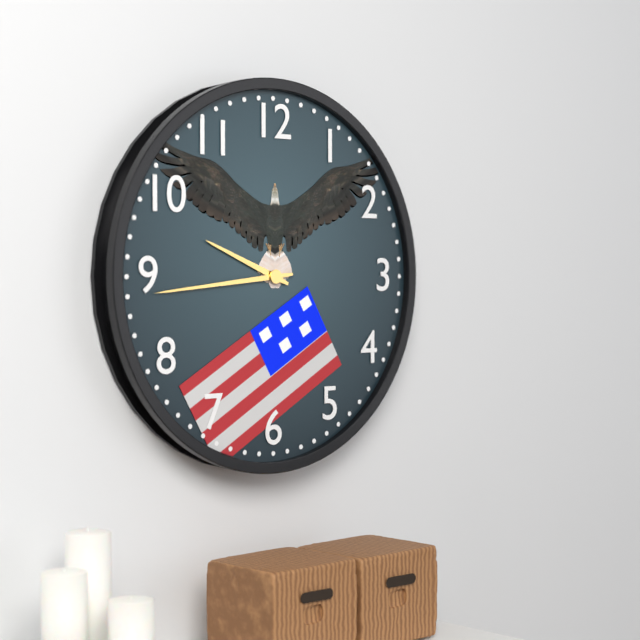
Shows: 9:44
